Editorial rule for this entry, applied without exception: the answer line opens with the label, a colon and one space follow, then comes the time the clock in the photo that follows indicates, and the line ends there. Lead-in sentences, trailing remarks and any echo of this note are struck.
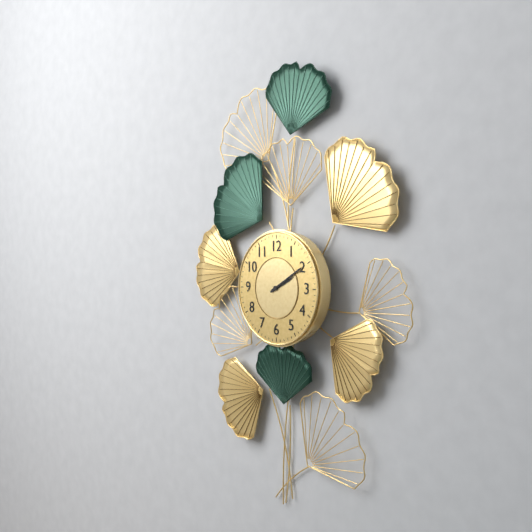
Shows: 2:10
